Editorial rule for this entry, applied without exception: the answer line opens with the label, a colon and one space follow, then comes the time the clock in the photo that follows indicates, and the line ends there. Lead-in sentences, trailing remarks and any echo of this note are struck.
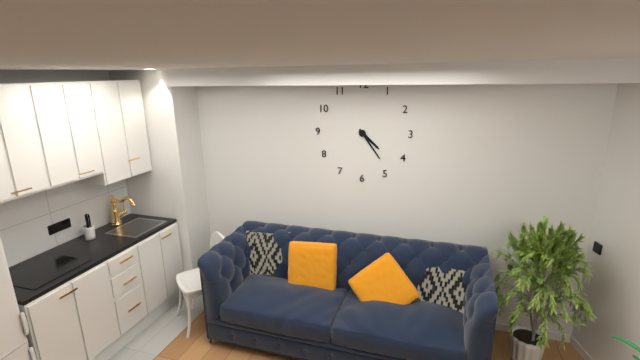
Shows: 4:24
